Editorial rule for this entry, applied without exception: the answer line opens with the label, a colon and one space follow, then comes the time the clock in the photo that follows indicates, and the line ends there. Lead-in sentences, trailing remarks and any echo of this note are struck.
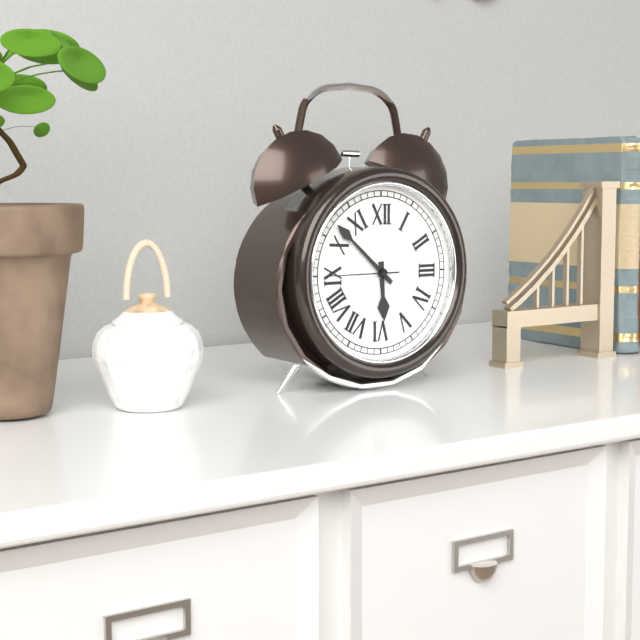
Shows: 5:52:45
